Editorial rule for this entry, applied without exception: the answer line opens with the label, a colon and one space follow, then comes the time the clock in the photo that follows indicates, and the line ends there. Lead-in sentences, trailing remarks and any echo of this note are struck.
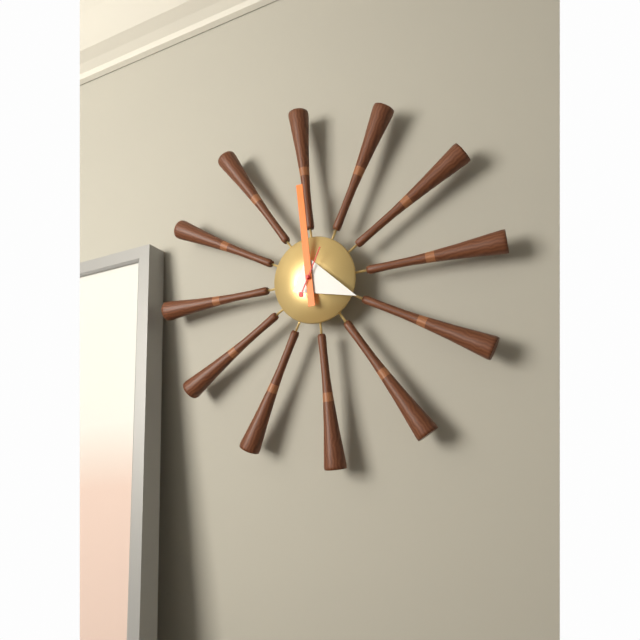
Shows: 4:00
